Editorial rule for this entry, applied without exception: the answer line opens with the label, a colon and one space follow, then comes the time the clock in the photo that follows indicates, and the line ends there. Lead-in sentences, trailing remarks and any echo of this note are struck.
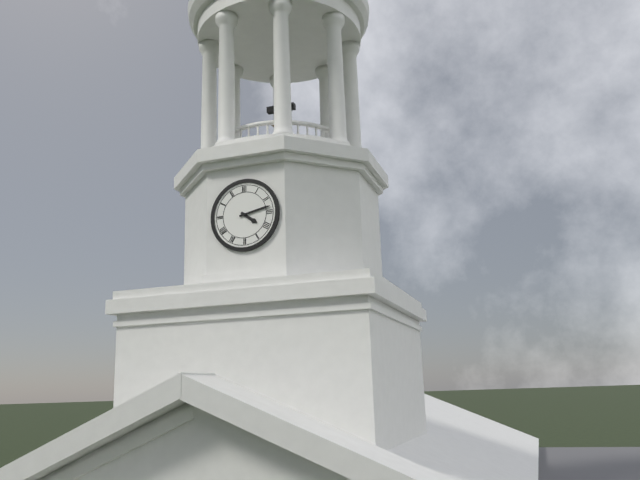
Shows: 4:13
